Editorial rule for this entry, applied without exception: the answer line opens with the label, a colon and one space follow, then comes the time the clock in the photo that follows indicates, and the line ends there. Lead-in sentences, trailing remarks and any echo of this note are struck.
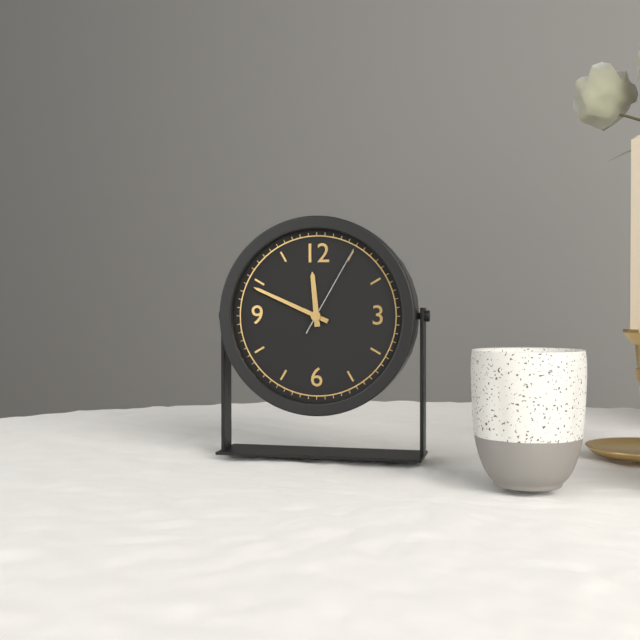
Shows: 11:49:05
